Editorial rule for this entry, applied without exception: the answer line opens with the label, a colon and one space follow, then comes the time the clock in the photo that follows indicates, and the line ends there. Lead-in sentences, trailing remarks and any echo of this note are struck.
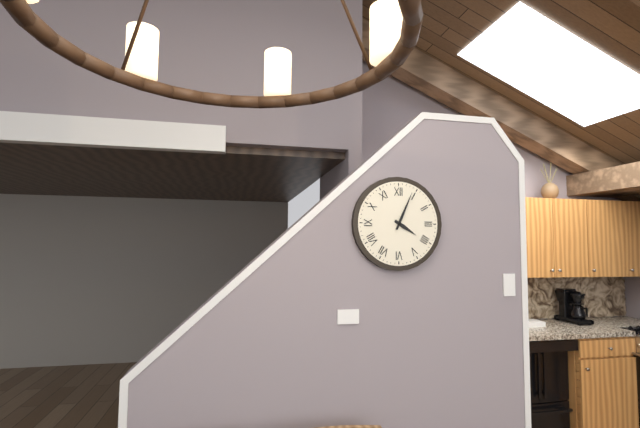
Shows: 4:04
